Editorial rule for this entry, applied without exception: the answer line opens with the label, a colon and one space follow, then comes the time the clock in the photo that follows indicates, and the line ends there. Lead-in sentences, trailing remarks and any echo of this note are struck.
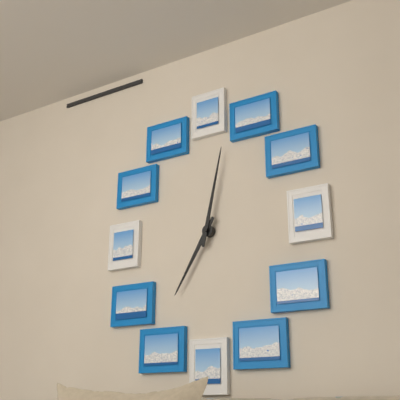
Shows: 7:02
